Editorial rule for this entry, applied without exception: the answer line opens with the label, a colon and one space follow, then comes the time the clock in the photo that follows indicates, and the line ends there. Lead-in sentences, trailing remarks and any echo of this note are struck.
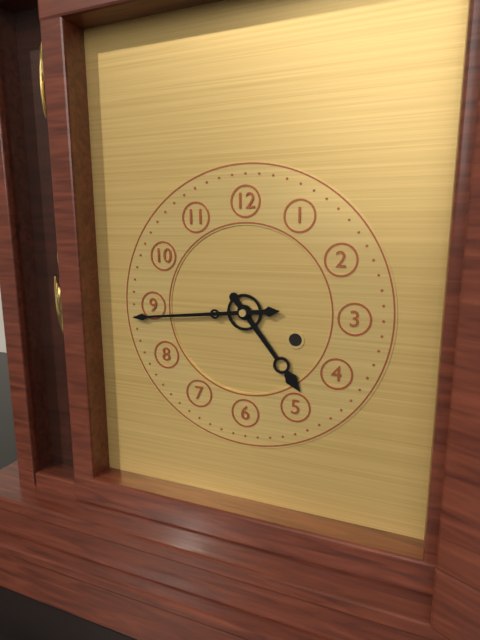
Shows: 4:44
